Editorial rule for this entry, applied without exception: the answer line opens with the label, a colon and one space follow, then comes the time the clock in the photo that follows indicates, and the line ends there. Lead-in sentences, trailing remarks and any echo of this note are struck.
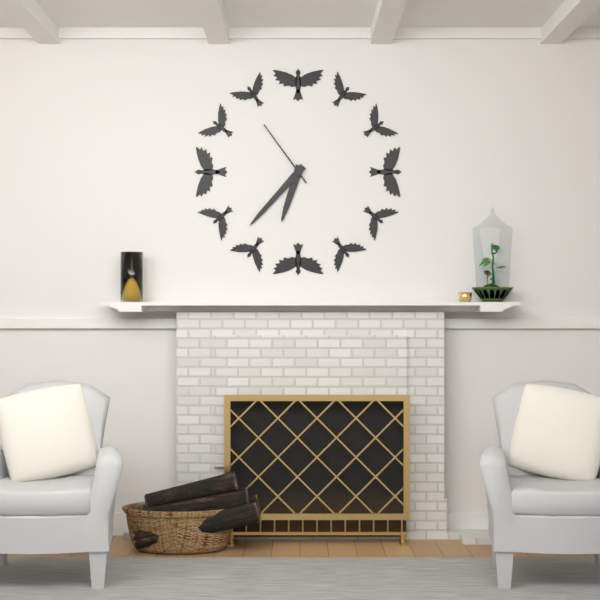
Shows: 6:37:54
